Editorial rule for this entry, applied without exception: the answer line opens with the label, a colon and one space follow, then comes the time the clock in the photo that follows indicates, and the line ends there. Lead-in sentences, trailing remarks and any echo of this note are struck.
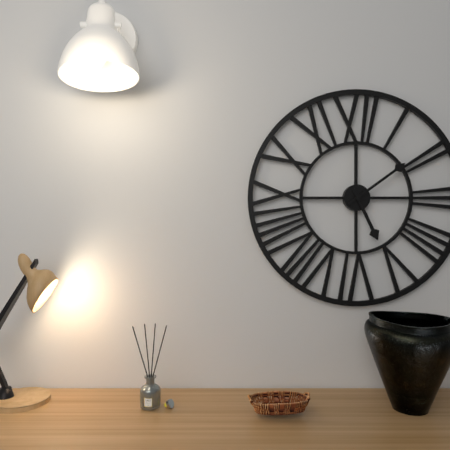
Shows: 5:09
